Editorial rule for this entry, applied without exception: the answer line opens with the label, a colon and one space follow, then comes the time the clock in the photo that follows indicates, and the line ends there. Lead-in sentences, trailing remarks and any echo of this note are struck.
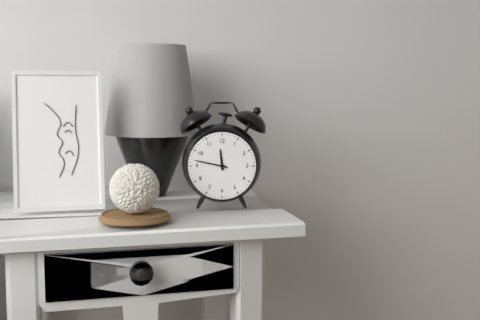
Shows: 11:47
